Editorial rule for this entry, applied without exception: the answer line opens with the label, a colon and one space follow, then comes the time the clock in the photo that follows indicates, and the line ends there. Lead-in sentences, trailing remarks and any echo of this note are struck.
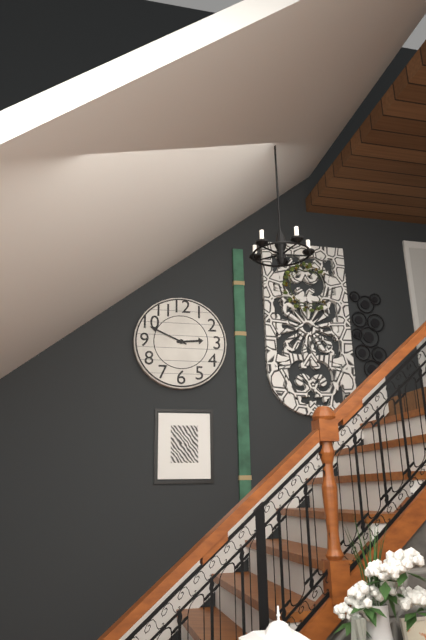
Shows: 2:49
